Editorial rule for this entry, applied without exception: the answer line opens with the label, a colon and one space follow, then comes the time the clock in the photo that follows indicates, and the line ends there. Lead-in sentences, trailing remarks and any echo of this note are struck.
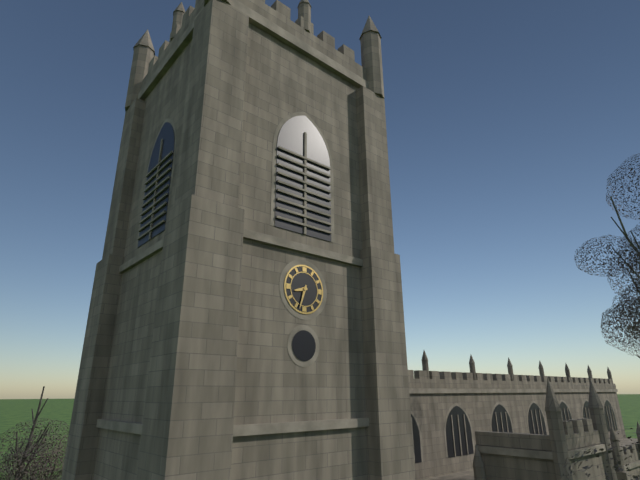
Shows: 8:33
